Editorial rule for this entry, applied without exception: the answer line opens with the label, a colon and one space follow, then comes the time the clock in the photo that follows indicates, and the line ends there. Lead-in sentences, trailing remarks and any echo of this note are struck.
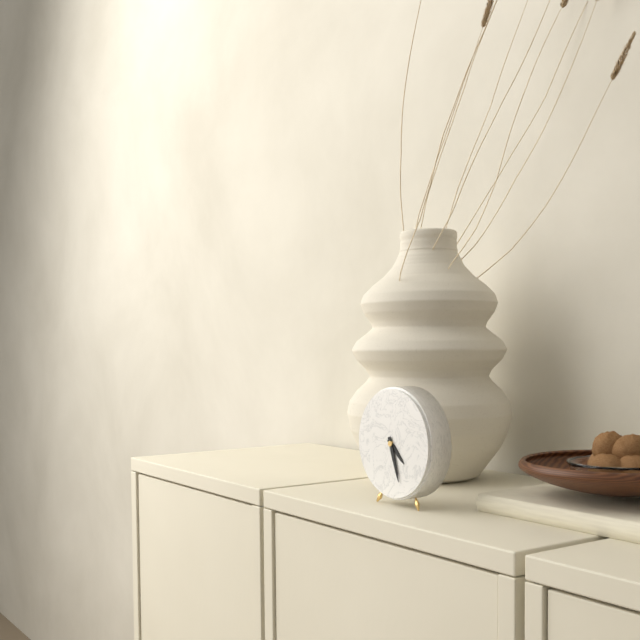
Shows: 4:27
